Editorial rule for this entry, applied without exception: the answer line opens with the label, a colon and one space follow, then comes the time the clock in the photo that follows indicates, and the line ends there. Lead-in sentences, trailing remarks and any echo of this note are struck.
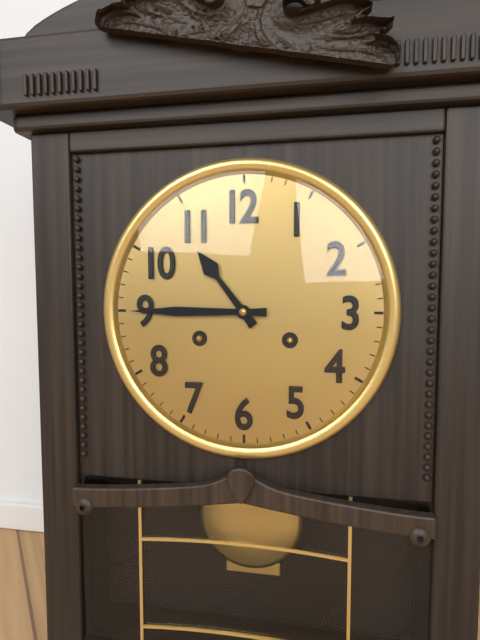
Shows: 10:45
